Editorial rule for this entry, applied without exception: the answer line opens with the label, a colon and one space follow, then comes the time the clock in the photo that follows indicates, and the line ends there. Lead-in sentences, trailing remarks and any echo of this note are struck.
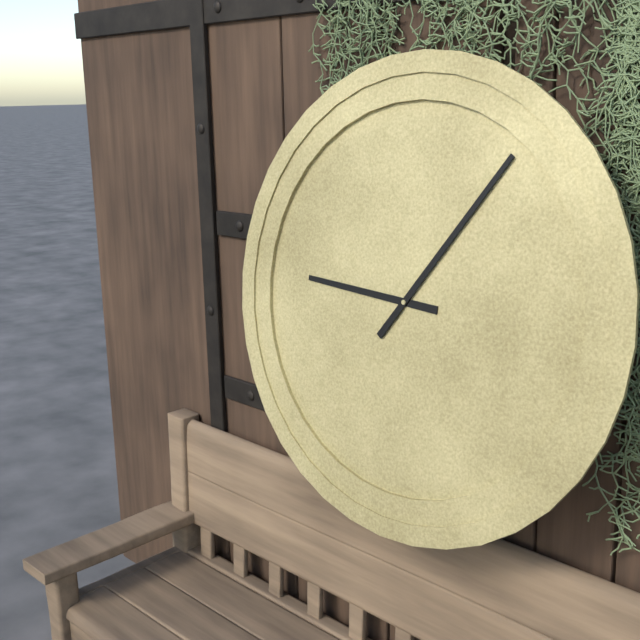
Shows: 9:06
